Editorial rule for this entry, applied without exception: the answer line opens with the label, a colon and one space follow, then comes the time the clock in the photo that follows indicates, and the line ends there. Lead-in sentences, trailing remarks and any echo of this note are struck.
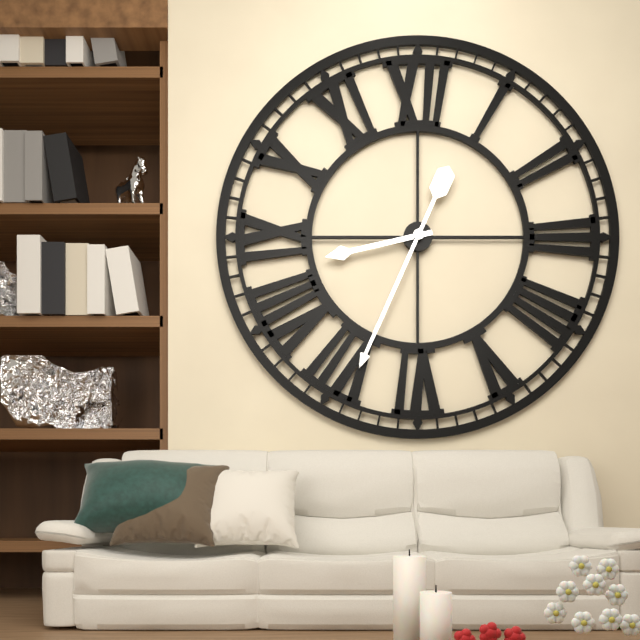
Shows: 8:34
